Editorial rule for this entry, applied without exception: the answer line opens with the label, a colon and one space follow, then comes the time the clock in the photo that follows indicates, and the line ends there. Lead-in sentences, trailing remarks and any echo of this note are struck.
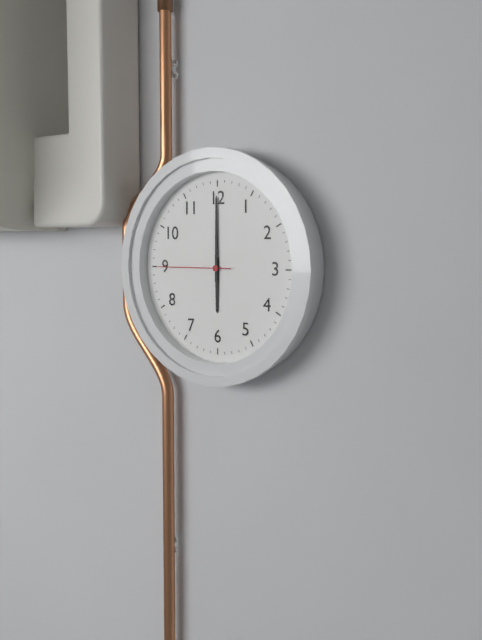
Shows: 6:00:45
